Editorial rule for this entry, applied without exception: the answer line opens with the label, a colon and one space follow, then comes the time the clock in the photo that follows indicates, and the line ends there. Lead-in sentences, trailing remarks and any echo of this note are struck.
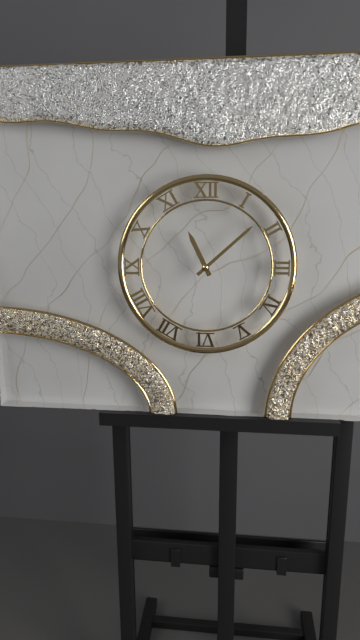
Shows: 11:08
